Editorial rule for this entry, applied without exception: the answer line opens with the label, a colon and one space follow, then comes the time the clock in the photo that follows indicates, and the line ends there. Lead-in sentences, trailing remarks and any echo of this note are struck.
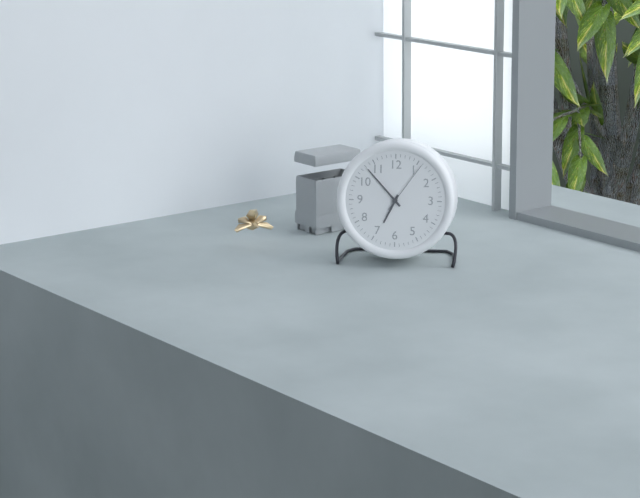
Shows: 6:53:06
